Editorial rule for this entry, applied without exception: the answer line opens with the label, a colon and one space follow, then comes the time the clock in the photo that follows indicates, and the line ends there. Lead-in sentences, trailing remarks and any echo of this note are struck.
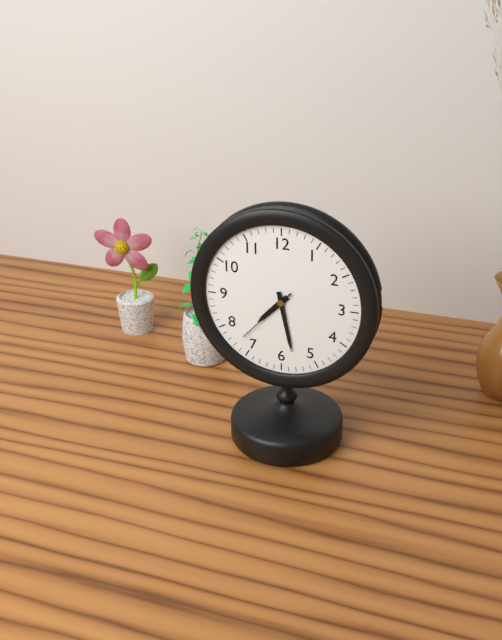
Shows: 7:28:37
